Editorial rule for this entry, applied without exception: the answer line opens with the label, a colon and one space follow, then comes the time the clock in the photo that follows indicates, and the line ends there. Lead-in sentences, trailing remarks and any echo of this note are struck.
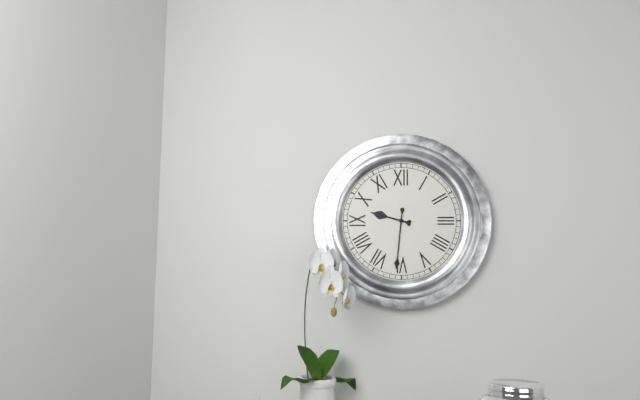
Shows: 9:31
